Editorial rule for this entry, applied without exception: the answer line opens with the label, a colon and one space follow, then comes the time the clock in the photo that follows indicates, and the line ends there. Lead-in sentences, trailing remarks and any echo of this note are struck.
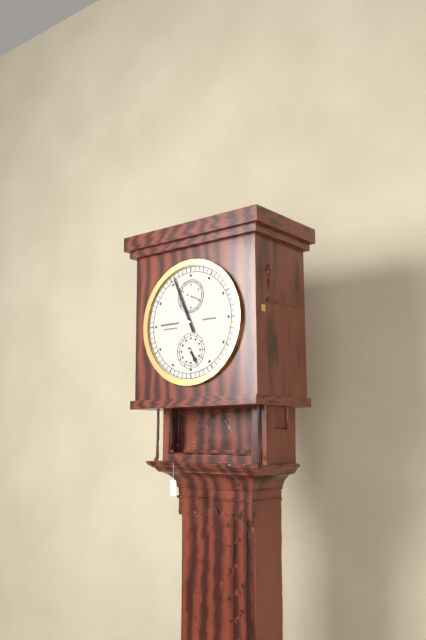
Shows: 4:56
